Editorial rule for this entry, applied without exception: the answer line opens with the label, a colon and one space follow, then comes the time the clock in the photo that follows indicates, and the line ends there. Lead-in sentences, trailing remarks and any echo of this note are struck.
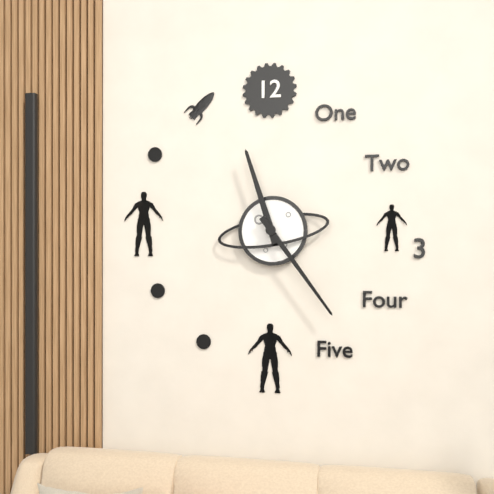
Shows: 11:24
